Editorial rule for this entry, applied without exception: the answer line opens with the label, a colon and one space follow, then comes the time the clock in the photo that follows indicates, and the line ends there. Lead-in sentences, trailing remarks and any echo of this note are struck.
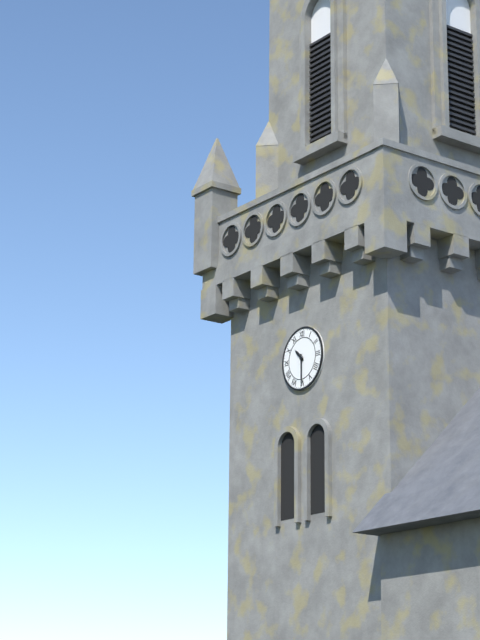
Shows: 10:30
